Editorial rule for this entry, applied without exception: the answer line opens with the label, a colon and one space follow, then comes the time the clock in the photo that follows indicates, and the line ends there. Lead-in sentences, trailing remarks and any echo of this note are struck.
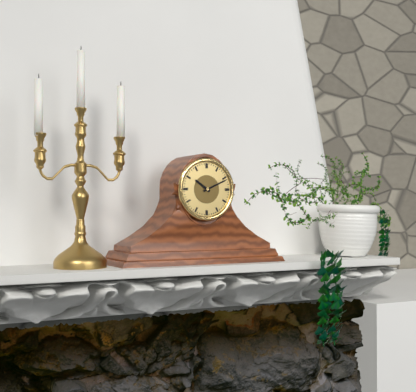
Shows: 10:11
